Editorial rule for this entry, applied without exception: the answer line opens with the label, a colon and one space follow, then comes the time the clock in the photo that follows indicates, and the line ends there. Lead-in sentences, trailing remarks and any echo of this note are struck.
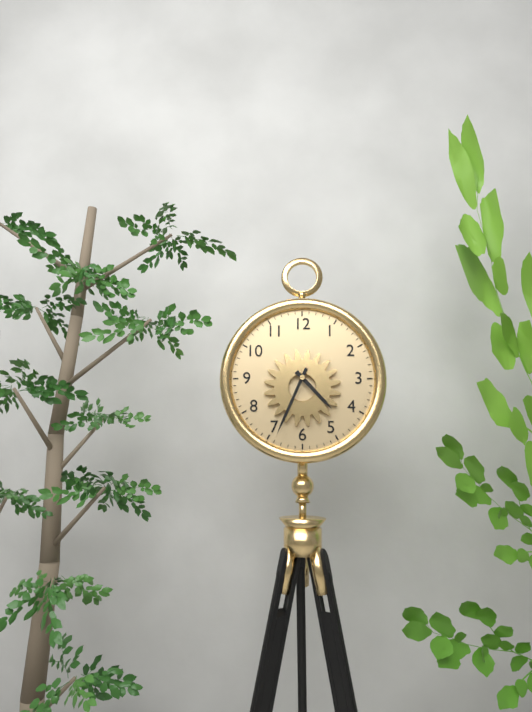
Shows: 4:34
